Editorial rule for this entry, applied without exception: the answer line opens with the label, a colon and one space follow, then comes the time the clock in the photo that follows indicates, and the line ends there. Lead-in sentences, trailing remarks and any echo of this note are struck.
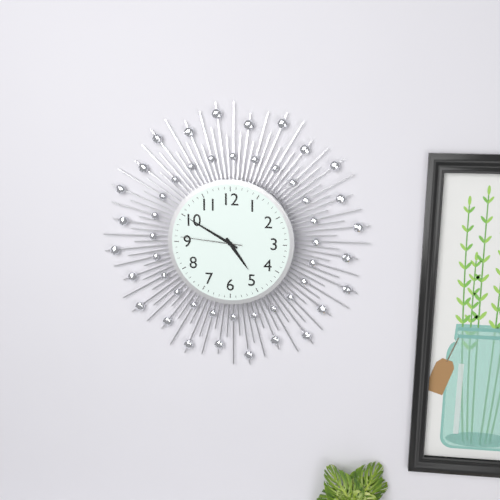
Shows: 4:50:46
